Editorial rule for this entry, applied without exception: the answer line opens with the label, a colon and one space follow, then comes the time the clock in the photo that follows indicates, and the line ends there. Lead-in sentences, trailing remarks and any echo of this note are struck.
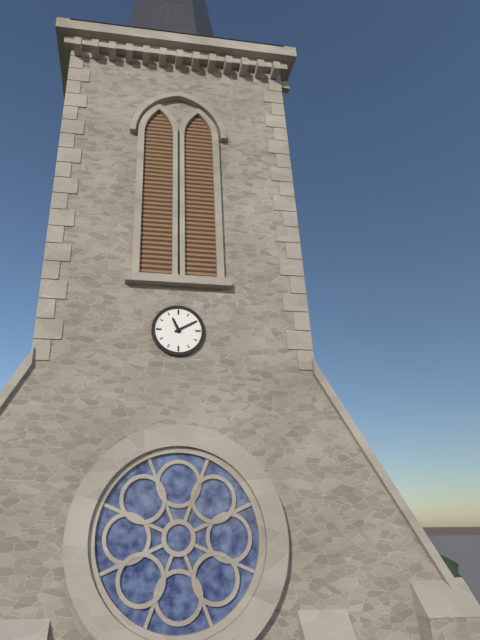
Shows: 11:10
